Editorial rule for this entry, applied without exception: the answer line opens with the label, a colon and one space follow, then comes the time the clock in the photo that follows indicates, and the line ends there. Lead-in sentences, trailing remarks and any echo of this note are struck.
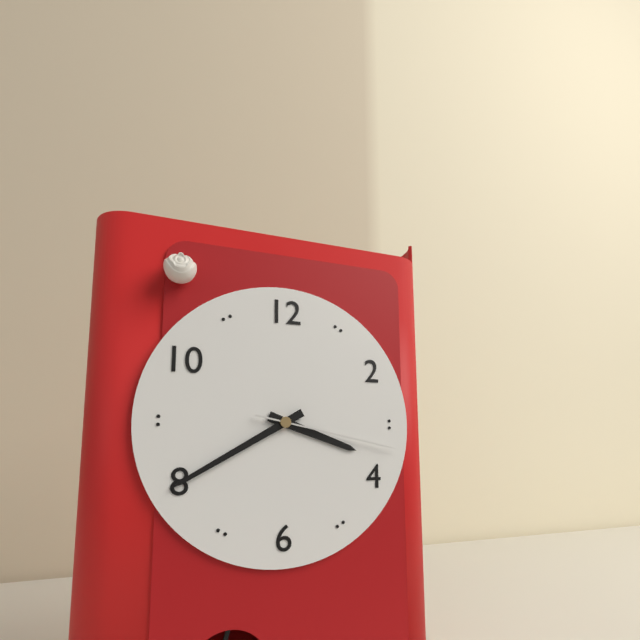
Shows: 3:40:17
